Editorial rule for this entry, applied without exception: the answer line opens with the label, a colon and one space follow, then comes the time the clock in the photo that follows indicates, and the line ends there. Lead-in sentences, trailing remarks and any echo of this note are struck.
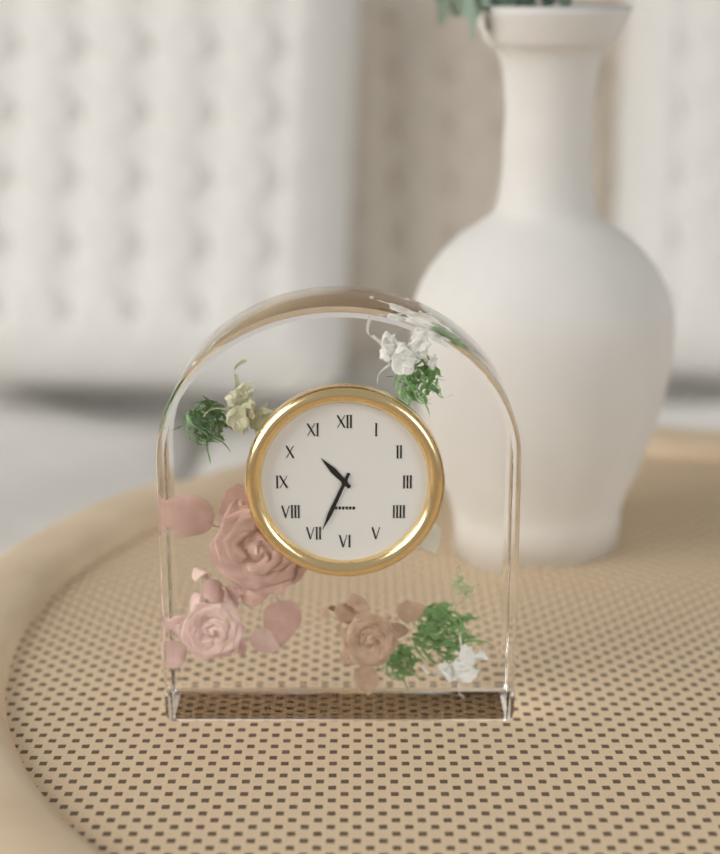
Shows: 10:34
